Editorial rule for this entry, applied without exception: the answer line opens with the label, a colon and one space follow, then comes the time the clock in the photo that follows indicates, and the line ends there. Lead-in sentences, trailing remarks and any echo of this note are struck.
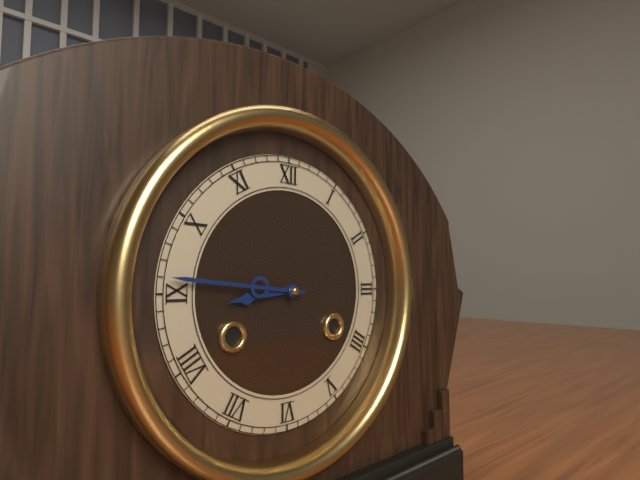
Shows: 8:46
